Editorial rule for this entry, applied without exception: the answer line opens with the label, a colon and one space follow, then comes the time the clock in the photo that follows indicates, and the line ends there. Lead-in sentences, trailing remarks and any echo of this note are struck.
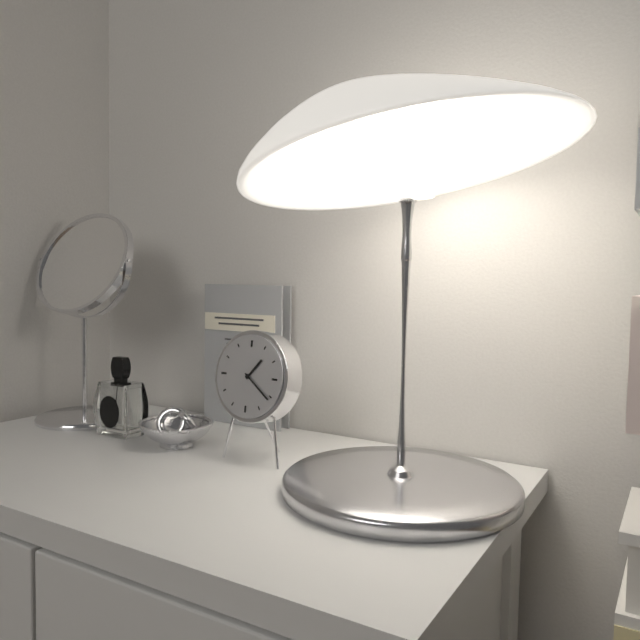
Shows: 1:21
